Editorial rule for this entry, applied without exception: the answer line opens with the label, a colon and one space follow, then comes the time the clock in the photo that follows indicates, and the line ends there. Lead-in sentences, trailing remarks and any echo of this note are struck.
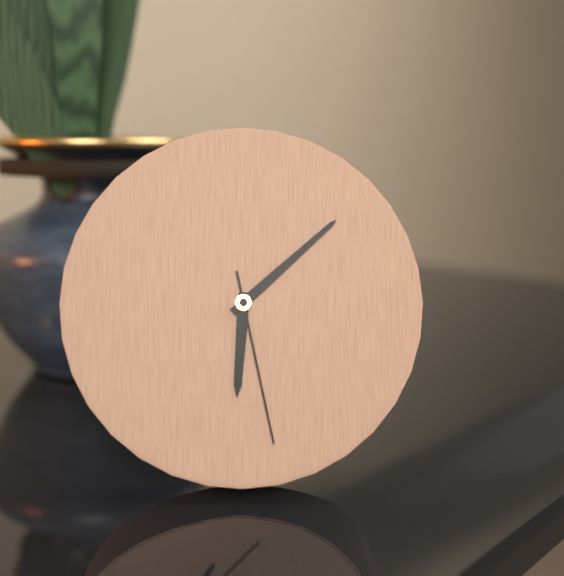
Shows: 6:08:28
